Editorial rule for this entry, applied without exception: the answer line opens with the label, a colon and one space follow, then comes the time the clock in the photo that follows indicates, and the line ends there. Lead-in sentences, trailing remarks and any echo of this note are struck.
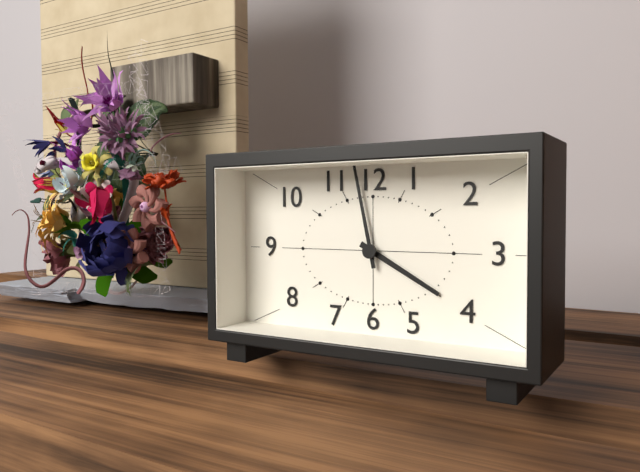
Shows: 3:58
